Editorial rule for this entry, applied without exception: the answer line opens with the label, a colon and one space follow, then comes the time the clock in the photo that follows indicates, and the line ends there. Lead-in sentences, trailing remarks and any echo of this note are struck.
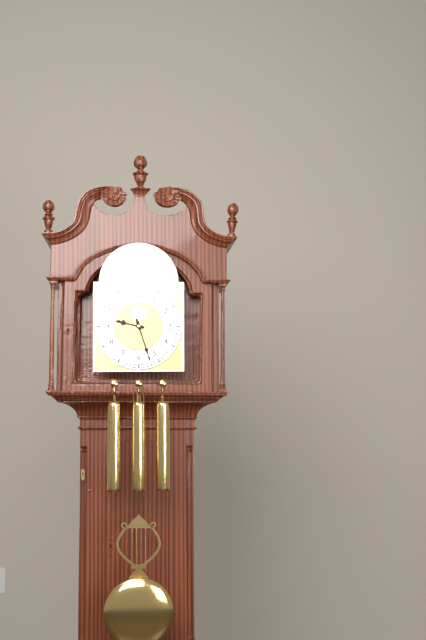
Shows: 9:27
